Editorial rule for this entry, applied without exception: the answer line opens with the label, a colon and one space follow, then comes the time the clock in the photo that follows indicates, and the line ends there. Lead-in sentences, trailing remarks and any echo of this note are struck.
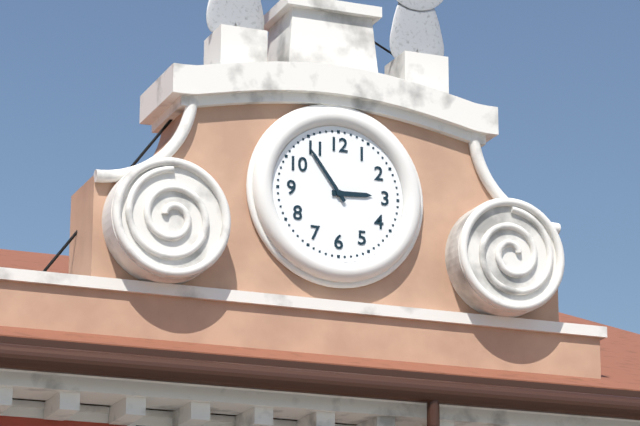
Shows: 2:54
